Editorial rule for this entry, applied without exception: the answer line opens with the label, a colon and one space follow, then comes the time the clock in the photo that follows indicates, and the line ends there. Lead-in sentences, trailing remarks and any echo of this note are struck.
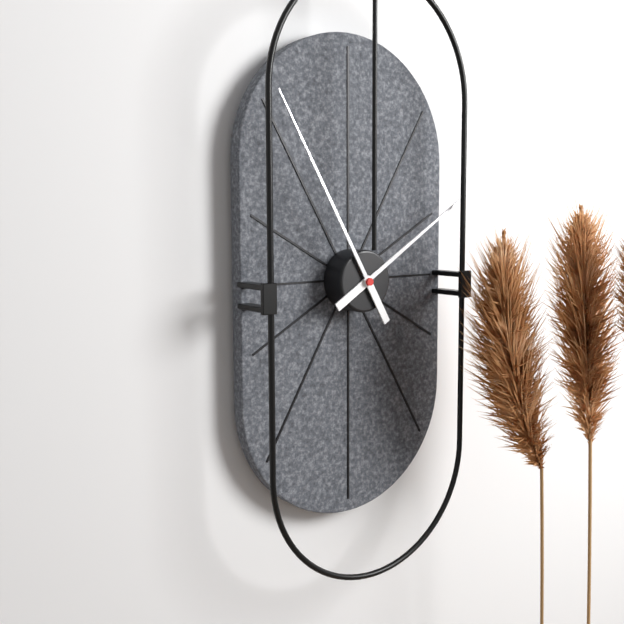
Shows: 1:55
